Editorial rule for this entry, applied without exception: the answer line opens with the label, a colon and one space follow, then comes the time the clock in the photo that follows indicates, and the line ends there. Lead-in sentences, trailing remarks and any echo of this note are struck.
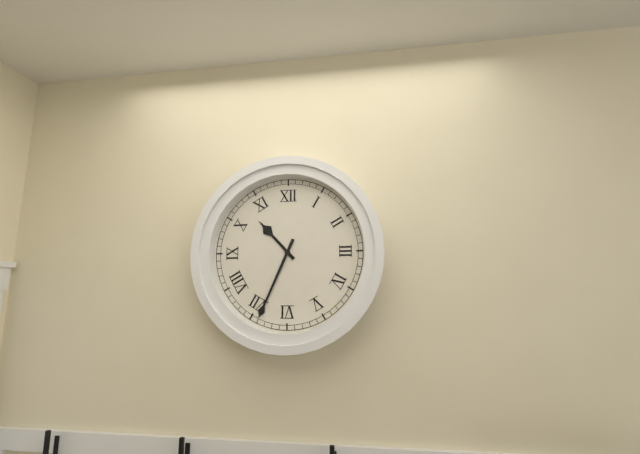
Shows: 10:34
